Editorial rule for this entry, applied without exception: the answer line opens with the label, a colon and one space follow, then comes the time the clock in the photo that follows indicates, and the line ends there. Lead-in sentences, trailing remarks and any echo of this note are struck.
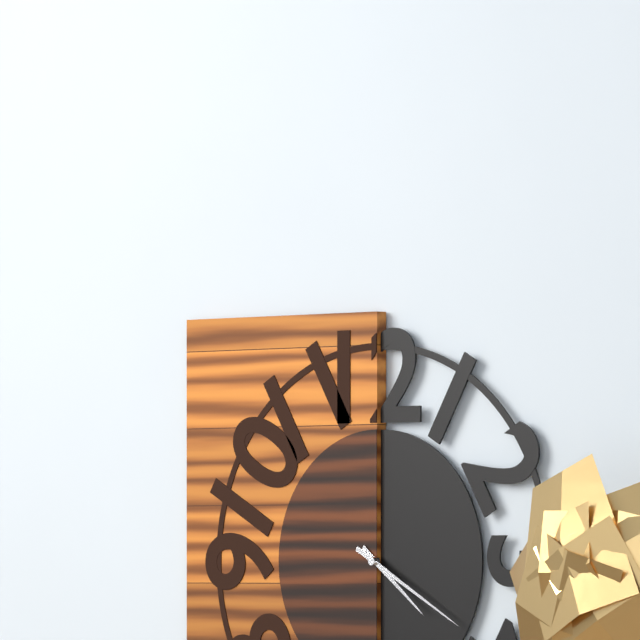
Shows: 4:20
